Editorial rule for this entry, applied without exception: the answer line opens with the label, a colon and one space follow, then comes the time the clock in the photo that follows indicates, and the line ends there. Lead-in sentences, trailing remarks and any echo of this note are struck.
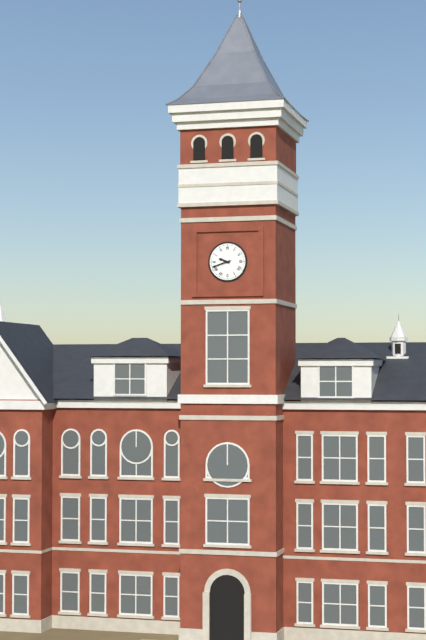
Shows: 9:42
